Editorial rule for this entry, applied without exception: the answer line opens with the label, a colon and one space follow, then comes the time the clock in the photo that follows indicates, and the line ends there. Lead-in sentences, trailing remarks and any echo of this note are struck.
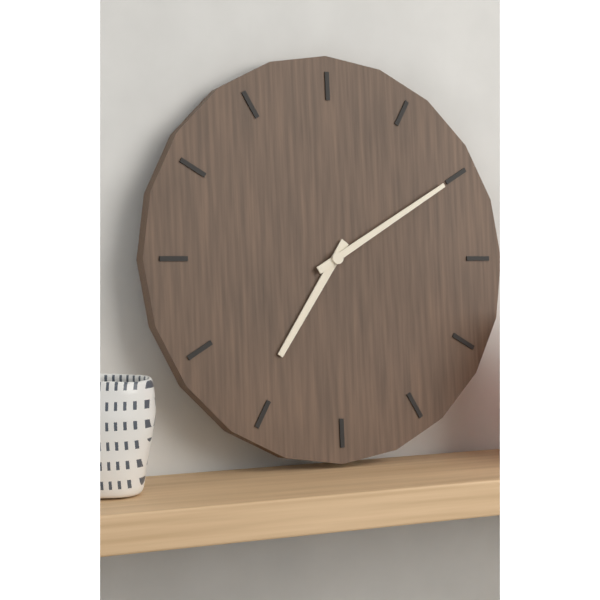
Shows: 7:10
